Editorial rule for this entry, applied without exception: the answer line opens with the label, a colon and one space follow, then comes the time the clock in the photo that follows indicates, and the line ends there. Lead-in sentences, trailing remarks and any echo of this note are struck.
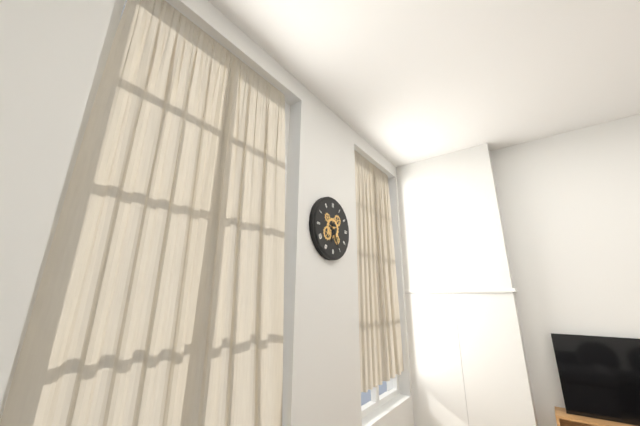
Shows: 6:26
